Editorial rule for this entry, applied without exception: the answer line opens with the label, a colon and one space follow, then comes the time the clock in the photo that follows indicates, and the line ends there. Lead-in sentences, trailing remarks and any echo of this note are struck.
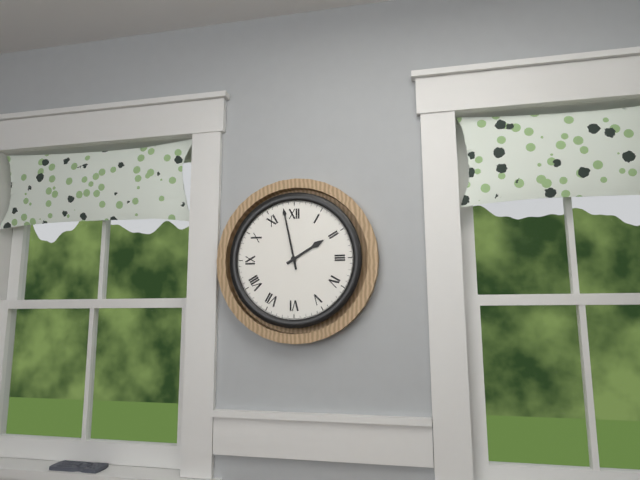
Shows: 1:58
